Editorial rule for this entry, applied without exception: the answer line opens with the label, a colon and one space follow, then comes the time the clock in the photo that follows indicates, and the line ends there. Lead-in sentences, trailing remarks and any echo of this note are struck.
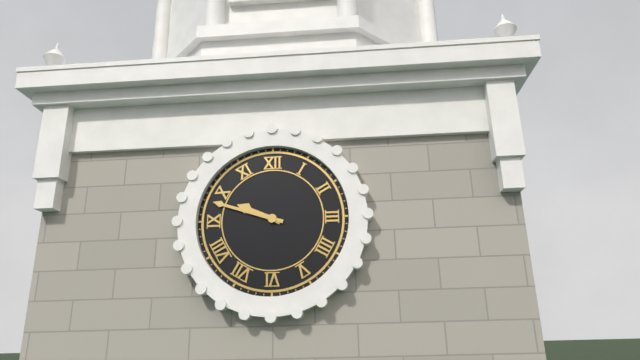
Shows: 9:48
